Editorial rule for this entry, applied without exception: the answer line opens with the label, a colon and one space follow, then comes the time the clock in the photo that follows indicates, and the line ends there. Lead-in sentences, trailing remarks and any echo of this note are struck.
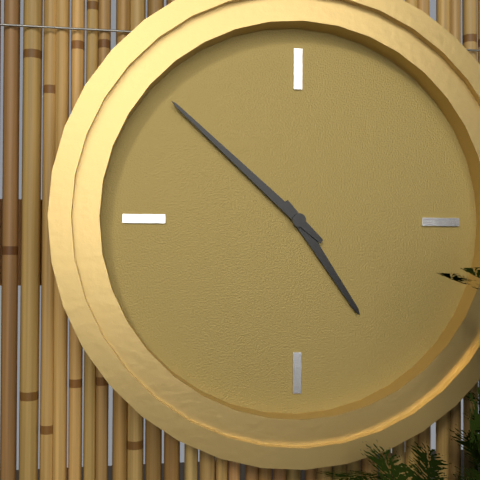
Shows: 4:52
